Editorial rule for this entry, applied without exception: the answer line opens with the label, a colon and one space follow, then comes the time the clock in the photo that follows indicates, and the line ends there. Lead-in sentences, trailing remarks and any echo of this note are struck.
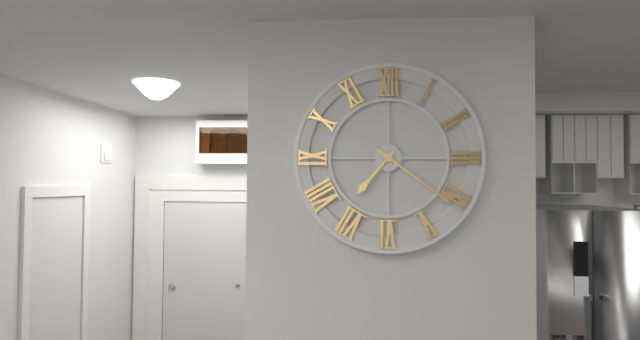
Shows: 7:21
